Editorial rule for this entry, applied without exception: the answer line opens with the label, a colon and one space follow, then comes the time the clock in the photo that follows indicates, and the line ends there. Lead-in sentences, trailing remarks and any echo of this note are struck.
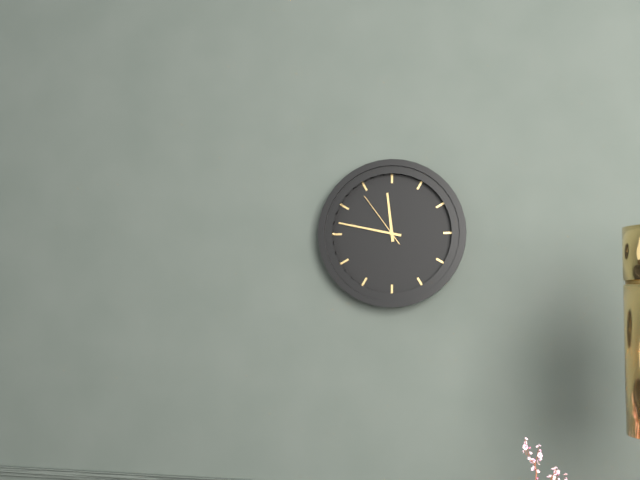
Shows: 11:47:54
